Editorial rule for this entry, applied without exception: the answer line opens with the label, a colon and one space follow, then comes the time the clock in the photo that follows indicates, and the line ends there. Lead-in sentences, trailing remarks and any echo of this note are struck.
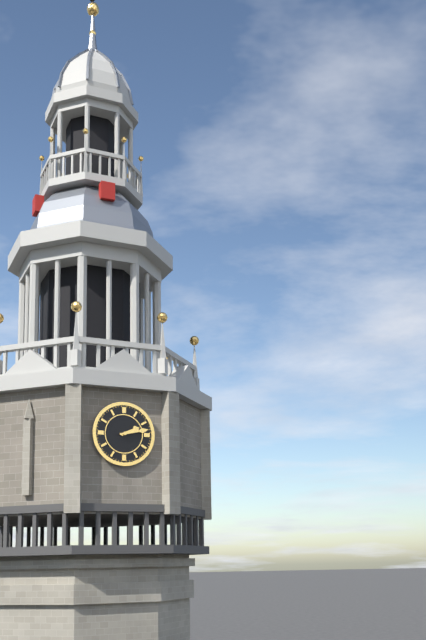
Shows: 2:13
